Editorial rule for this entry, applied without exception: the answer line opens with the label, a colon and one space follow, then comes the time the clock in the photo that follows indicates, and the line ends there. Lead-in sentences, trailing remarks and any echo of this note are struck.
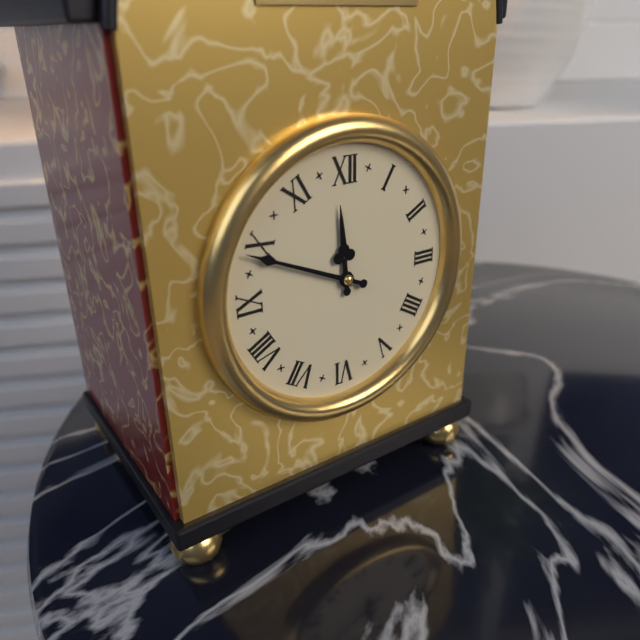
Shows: 11:49
